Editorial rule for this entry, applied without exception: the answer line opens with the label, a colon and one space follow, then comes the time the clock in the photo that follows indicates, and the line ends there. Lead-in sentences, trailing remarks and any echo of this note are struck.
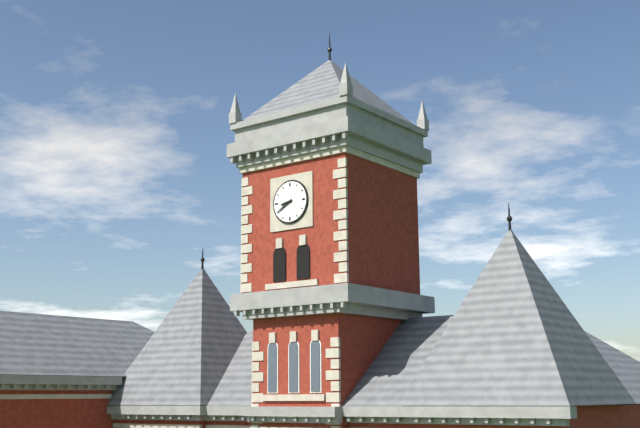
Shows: 8:40
